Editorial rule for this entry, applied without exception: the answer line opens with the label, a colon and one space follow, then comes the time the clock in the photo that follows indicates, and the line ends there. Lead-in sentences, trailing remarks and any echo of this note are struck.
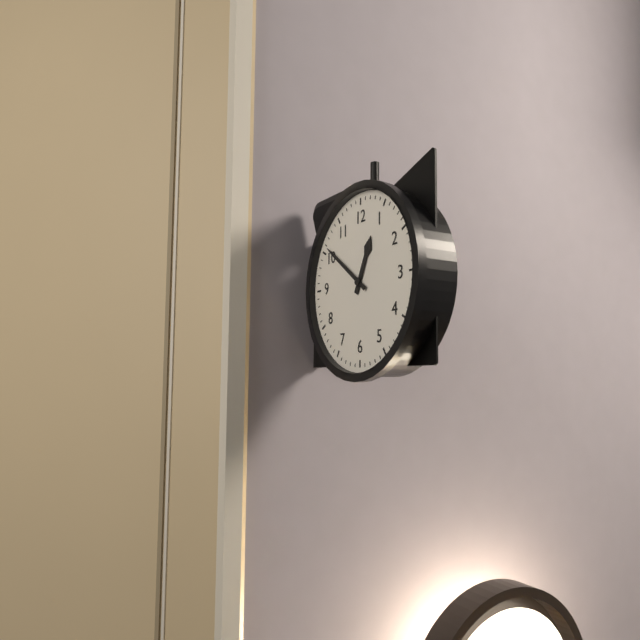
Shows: 12:51
